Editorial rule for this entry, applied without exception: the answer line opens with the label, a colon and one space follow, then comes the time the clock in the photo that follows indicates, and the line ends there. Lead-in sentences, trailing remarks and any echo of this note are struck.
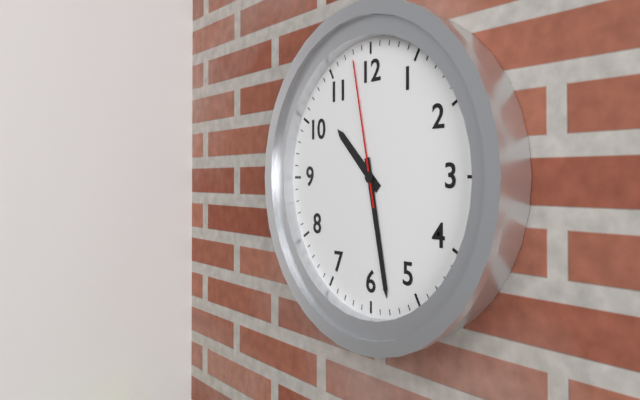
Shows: 10:28:58
